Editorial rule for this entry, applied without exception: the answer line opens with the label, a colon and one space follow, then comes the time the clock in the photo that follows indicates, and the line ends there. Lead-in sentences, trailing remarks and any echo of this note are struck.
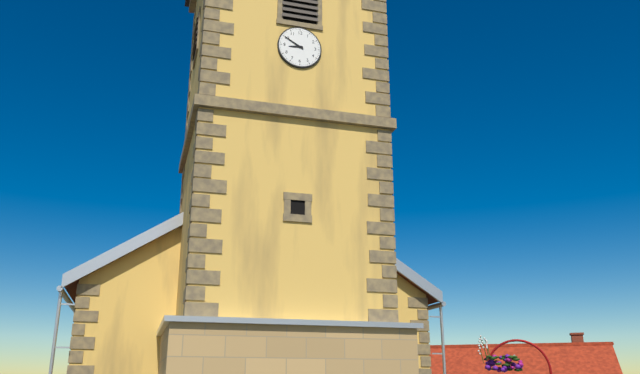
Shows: 8:50
